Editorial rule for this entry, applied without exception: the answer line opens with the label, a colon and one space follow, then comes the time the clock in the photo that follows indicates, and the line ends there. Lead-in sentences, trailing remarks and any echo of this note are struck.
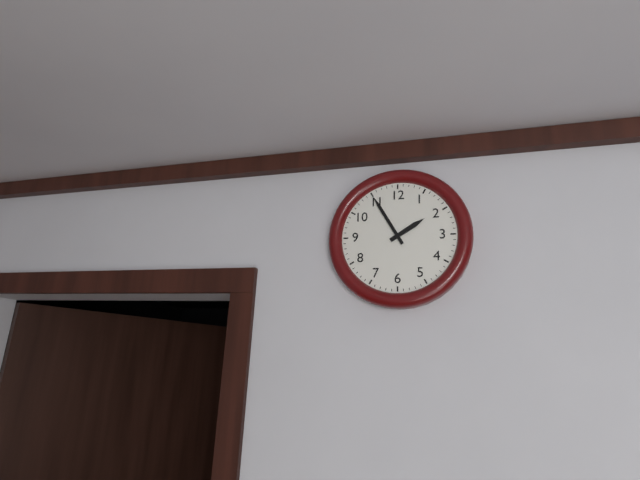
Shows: 1:55
